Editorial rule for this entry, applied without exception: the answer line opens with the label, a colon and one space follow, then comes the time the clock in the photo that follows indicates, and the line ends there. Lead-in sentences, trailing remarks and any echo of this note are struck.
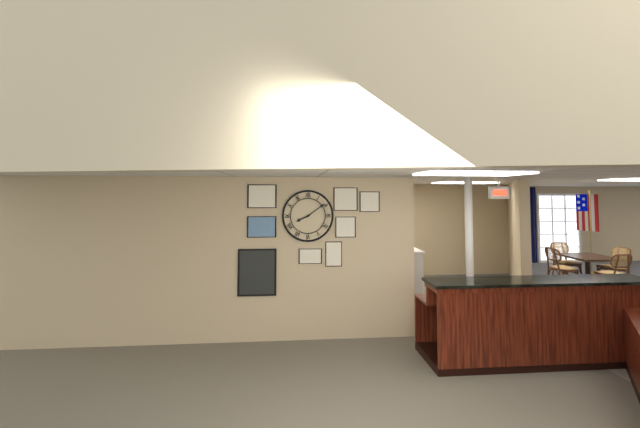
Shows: 8:09
